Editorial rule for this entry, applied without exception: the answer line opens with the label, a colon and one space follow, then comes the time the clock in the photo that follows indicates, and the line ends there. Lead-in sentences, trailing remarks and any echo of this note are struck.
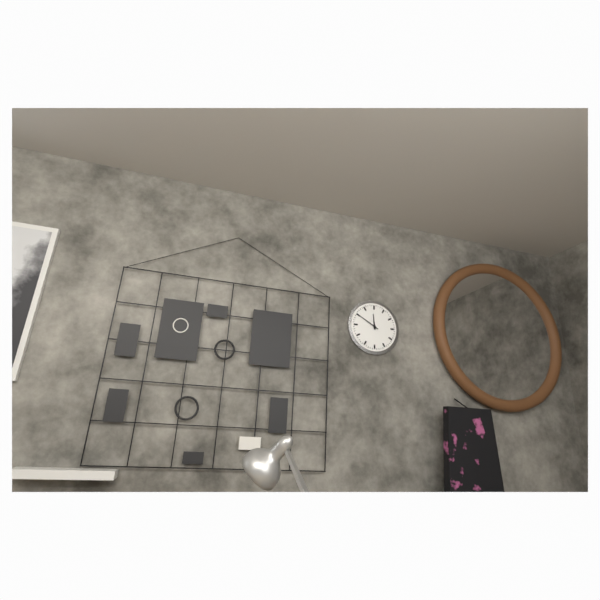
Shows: 11:50
